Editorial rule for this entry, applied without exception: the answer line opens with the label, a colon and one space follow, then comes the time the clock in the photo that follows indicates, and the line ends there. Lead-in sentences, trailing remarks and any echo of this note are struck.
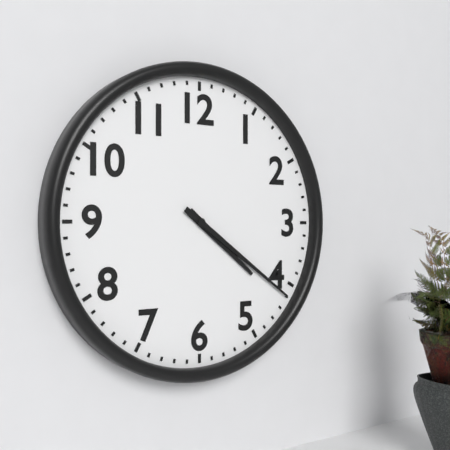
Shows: 4:21
